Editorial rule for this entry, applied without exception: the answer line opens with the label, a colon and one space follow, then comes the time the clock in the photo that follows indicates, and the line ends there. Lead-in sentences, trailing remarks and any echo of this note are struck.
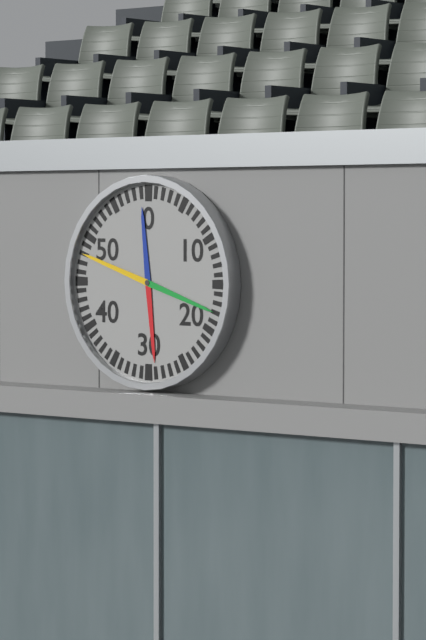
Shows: 5:48
